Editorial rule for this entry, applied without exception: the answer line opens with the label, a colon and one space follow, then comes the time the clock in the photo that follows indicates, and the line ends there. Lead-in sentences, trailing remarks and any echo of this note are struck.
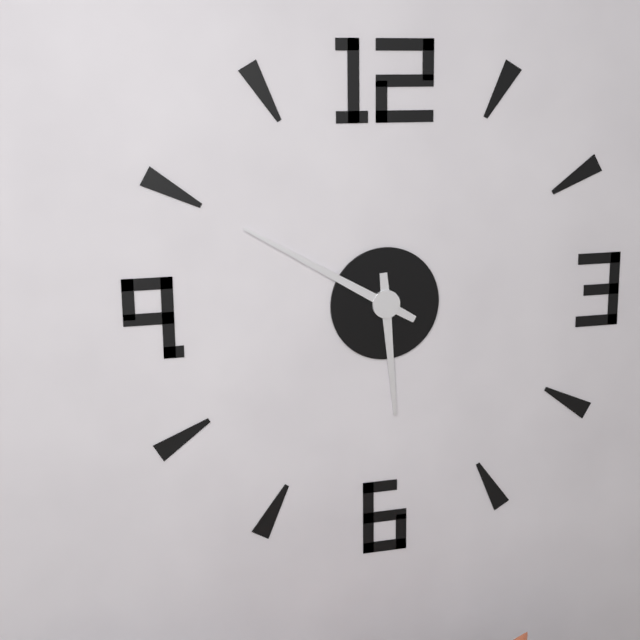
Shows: 5:50
